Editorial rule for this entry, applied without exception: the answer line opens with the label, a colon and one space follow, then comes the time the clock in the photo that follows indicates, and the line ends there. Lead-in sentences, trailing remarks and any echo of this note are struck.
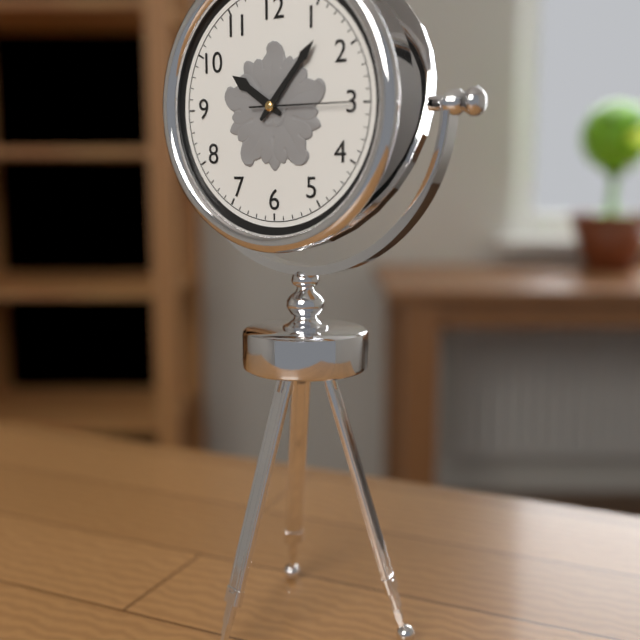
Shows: 10:07:15
